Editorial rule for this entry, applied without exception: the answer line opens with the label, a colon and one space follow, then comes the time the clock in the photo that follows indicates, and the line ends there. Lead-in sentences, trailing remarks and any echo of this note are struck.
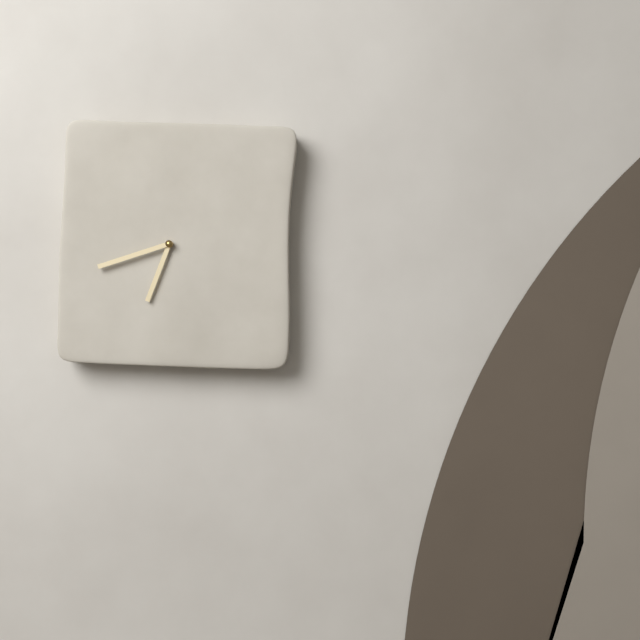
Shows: 6:42
